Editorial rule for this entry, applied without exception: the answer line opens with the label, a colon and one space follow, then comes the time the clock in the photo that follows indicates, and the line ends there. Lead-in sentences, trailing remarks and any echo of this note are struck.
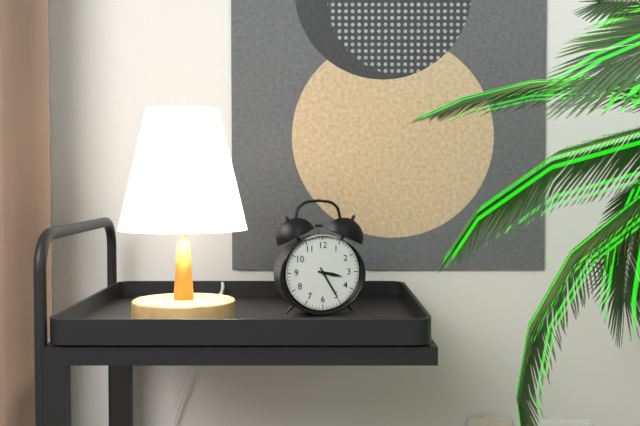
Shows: 3:25
